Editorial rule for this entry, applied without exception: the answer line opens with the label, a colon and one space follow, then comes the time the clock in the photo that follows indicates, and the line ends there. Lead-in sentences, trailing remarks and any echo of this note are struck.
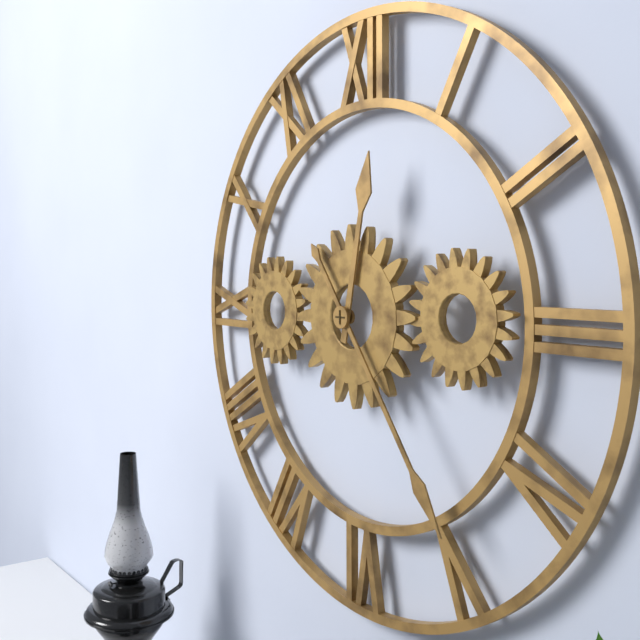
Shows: 12:24
